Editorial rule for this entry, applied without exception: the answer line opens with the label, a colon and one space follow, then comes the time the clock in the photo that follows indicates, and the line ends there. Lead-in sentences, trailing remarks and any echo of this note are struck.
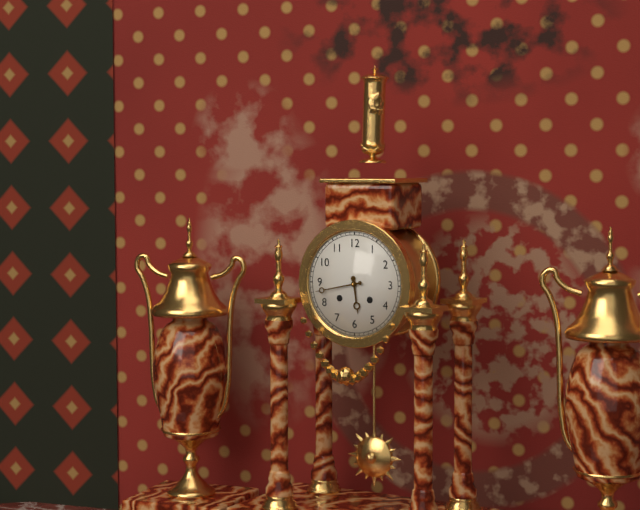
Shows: 5:43
